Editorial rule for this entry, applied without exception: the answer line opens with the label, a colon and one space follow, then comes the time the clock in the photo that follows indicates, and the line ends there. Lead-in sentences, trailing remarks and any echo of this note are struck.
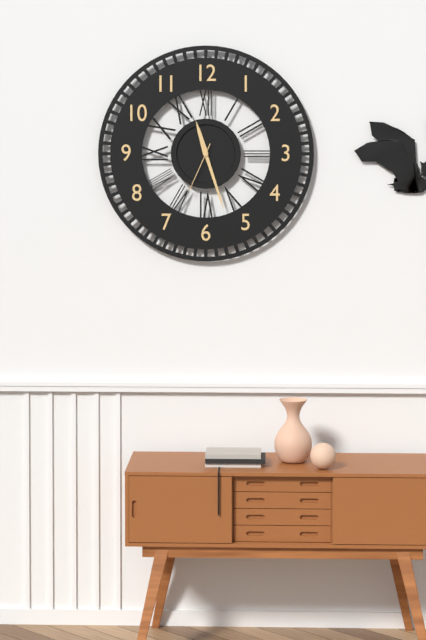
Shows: 11:27:34
